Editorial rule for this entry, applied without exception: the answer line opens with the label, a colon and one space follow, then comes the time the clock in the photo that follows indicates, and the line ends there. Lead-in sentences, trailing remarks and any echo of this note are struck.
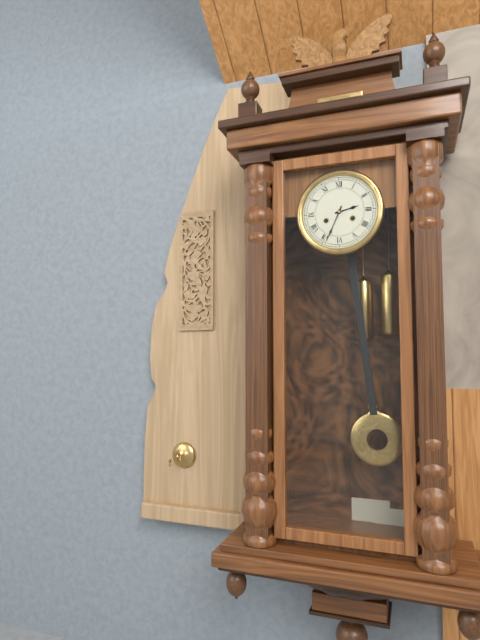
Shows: 2:34
